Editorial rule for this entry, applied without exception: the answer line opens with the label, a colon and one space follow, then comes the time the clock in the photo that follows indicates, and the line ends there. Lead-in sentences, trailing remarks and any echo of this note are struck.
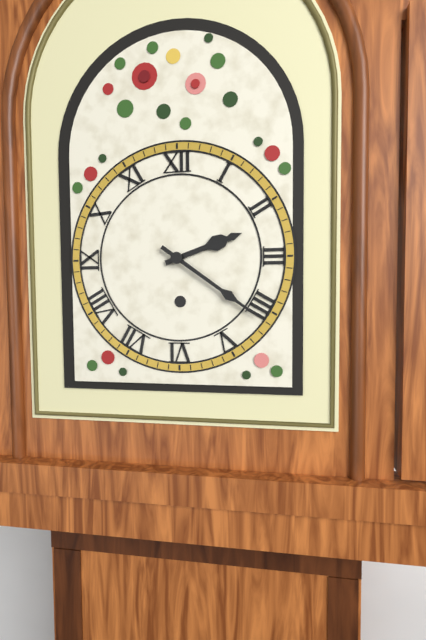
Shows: 2:21
